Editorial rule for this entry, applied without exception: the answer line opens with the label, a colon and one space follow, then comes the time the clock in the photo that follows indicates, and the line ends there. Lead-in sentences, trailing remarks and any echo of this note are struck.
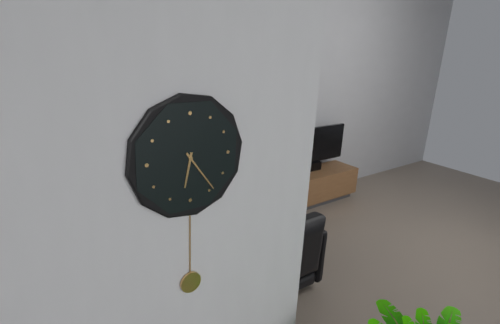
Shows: 6:24
